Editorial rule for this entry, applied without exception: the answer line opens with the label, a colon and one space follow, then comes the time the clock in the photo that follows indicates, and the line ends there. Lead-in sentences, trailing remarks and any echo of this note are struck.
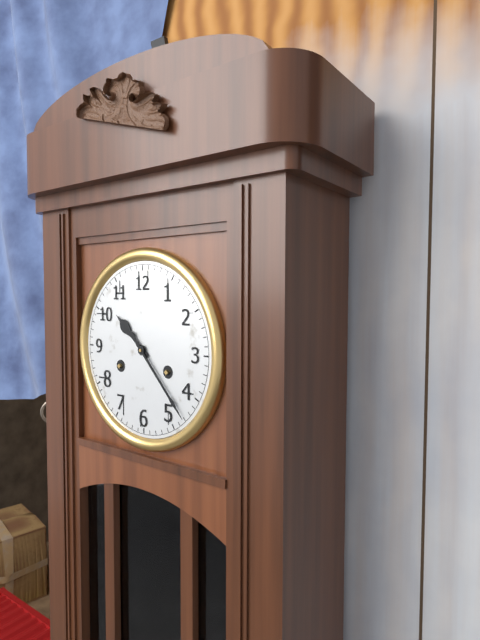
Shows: 10:23
